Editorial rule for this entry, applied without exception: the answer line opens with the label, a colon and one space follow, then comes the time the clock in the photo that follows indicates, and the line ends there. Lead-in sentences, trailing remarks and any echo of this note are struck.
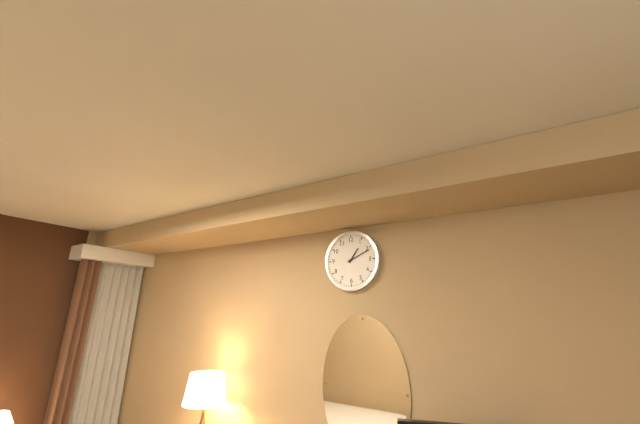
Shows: 1:11
